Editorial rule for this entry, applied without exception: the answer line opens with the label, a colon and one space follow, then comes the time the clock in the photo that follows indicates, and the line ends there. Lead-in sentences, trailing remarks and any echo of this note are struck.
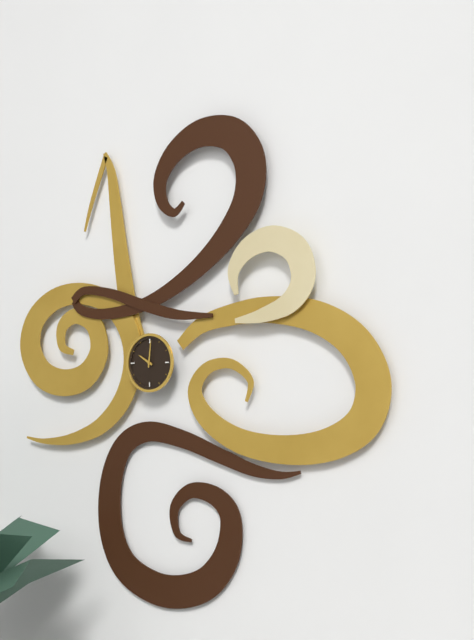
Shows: 10:01
